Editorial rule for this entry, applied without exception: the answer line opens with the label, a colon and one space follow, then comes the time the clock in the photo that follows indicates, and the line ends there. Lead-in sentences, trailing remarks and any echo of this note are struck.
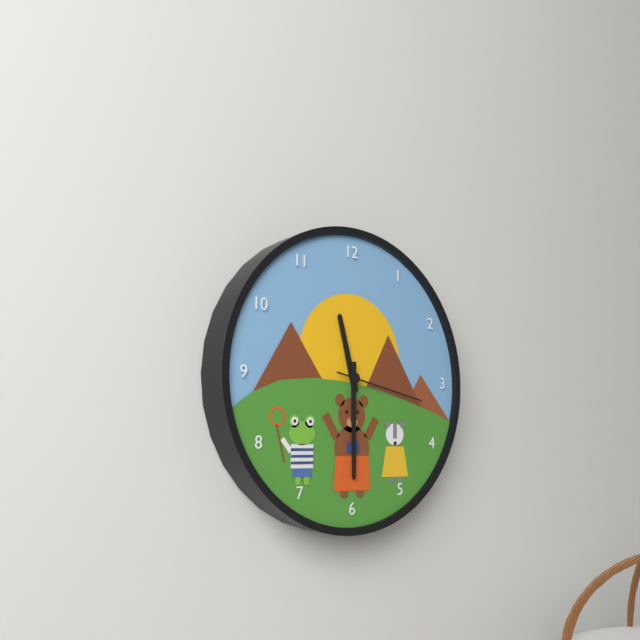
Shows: 11:30:17
